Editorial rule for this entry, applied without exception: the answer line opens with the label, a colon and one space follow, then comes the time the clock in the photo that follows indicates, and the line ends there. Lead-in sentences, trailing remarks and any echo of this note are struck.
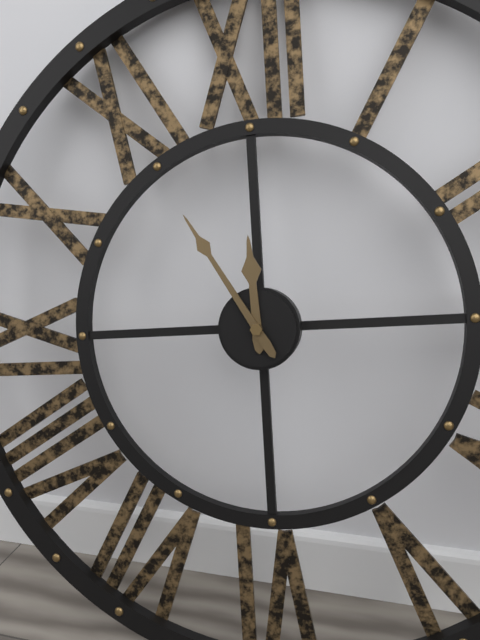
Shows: 11:55
